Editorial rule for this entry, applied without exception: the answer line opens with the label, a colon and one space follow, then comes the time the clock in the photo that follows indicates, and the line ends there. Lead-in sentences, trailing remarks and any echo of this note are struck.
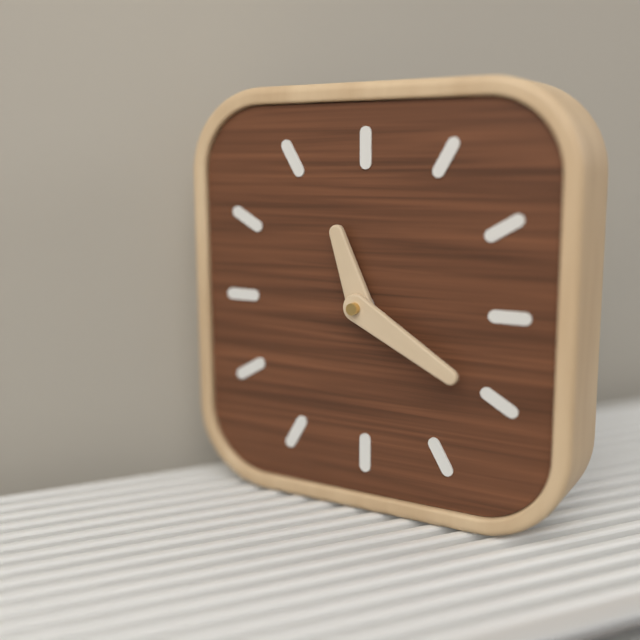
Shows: 11:20
